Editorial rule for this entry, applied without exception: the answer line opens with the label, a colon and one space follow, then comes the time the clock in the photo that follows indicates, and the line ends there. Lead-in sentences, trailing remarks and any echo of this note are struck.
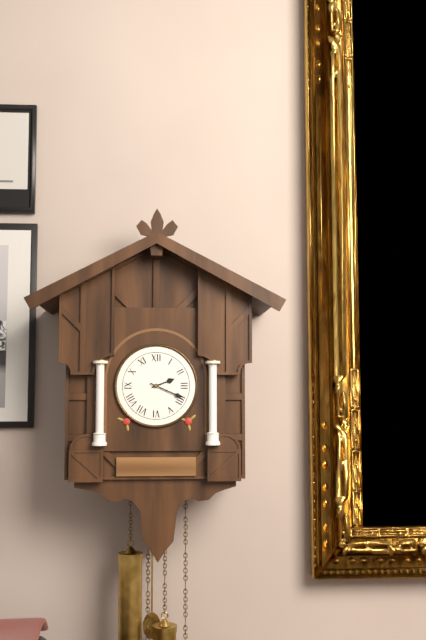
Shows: 2:19
